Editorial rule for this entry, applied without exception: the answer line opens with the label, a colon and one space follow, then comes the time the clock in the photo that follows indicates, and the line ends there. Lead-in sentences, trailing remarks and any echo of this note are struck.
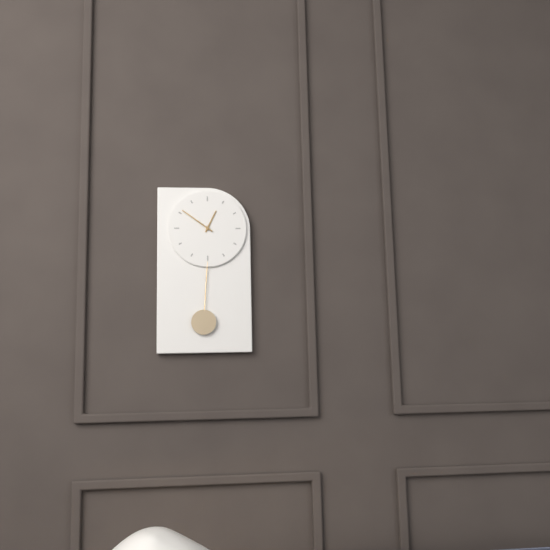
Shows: 12:51
